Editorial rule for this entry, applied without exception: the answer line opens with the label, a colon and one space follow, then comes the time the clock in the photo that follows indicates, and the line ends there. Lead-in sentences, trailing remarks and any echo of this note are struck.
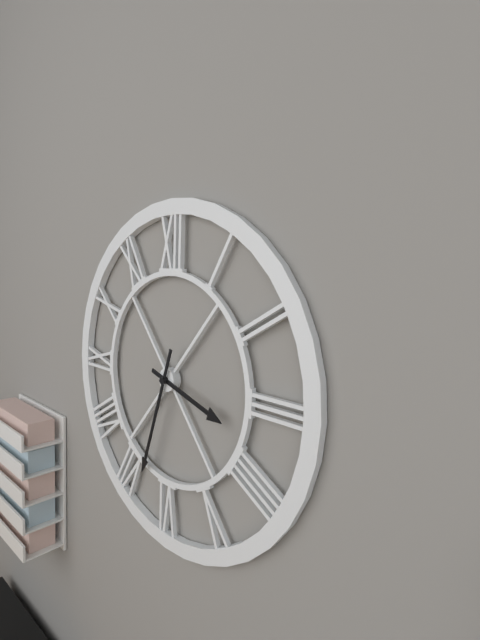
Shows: 3:33
